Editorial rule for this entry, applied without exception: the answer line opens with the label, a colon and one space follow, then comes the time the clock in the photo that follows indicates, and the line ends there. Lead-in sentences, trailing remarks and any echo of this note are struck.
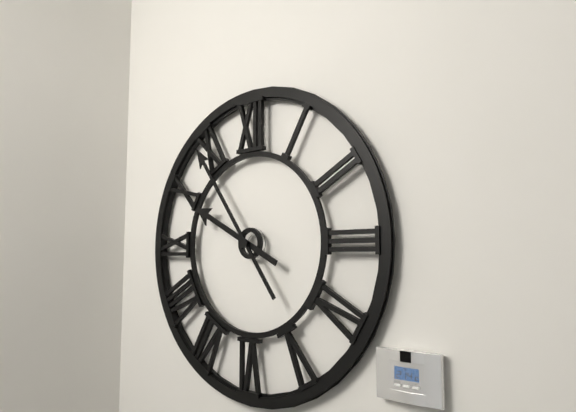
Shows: 9:54
